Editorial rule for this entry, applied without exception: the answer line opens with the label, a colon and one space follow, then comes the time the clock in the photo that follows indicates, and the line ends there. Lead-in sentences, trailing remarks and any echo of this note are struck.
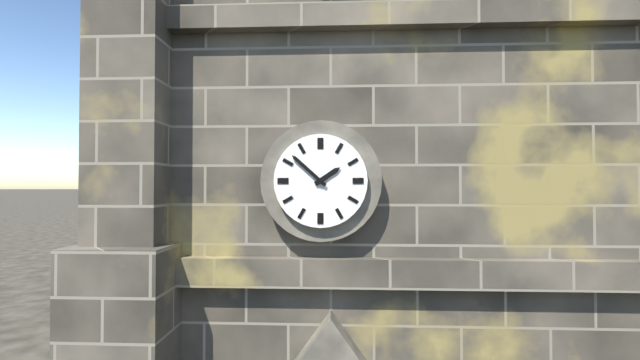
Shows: 1:52
